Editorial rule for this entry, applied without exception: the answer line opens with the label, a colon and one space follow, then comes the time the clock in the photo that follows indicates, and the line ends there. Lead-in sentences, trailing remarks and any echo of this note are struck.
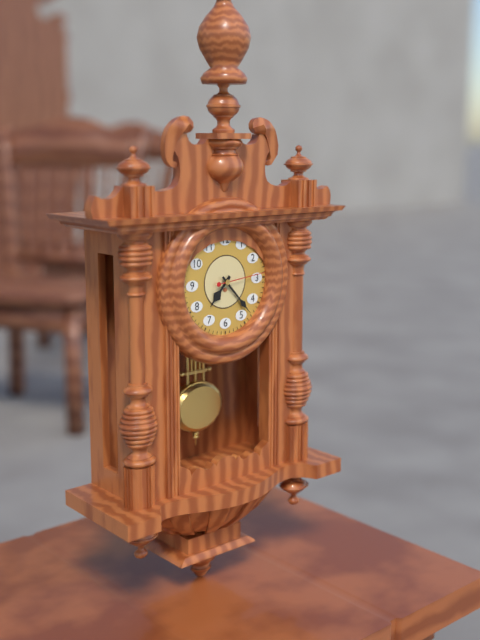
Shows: 7:23:14
